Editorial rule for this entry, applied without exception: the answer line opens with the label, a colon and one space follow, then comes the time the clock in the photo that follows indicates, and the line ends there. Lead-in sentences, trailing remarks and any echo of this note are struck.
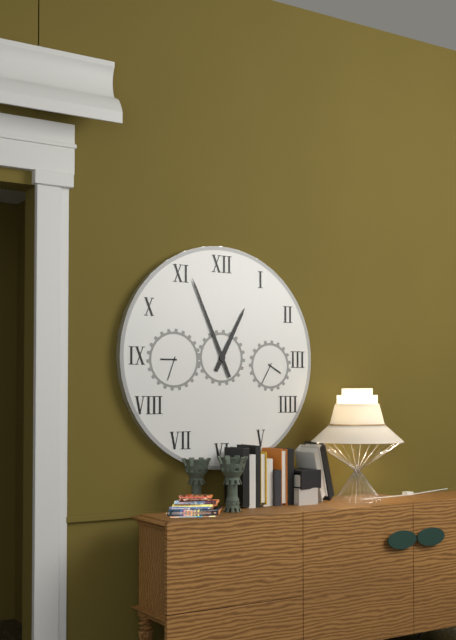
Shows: 12:56
